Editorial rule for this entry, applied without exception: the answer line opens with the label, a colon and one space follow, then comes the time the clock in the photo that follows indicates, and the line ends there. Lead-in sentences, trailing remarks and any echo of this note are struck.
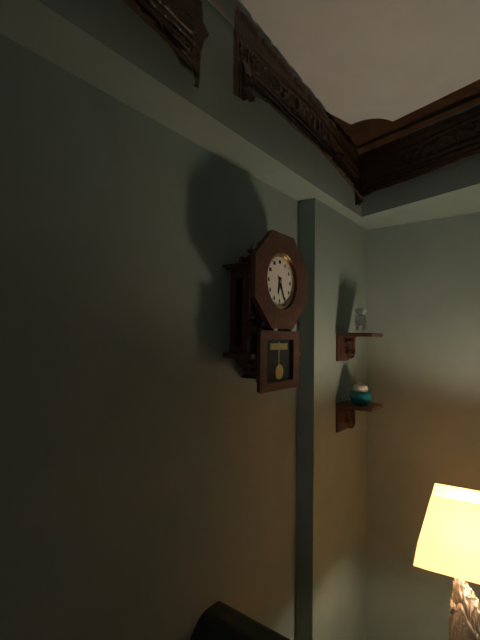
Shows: 6:26
